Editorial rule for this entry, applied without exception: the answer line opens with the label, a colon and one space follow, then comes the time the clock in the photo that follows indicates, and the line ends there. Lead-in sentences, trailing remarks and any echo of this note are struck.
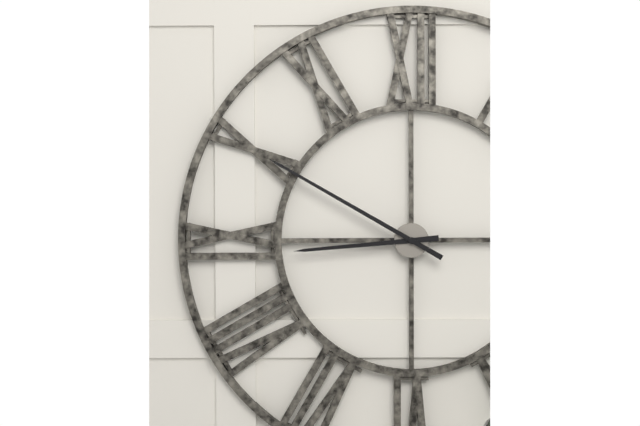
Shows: 8:50
